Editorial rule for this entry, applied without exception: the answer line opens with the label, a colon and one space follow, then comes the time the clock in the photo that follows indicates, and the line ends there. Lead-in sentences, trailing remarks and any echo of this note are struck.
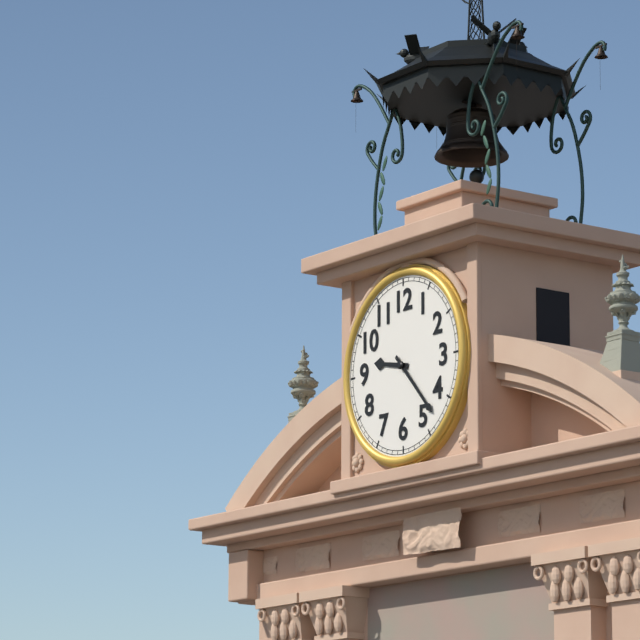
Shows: 9:23
